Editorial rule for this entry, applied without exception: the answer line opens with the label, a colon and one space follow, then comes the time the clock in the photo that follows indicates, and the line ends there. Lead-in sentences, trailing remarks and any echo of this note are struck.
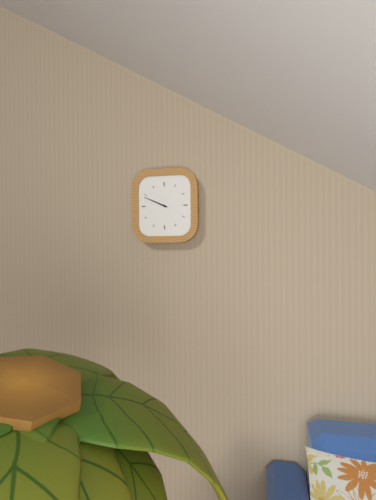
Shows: 9:49
